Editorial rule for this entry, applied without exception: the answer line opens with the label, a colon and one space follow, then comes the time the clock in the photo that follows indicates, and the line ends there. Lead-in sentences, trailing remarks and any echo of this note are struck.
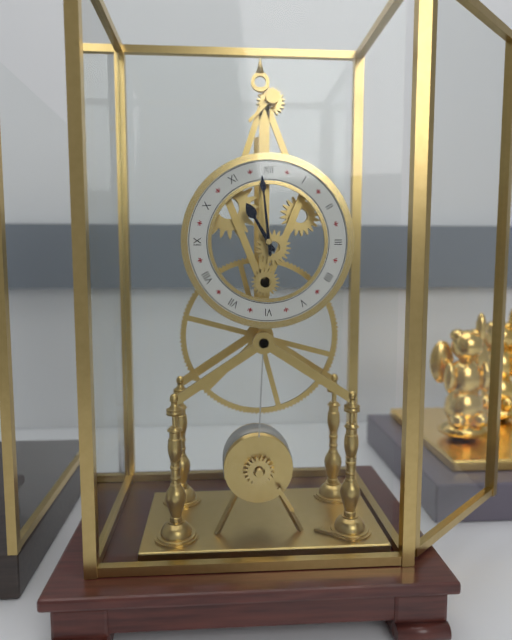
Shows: 10:59
